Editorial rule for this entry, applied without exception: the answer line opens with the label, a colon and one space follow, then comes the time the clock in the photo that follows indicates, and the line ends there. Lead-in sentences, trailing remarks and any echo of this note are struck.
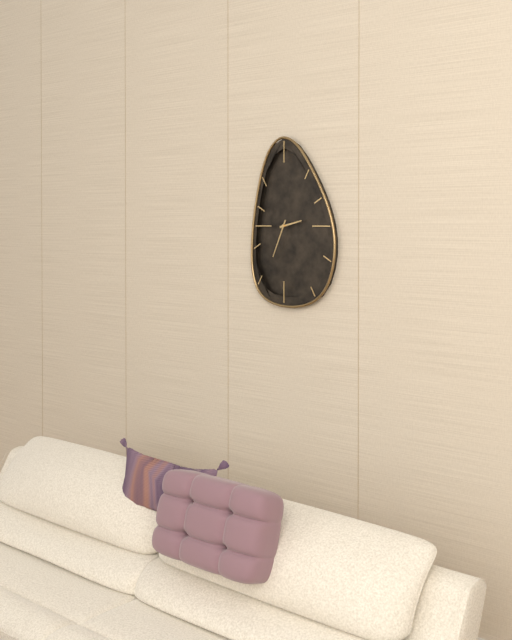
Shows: 2:34
